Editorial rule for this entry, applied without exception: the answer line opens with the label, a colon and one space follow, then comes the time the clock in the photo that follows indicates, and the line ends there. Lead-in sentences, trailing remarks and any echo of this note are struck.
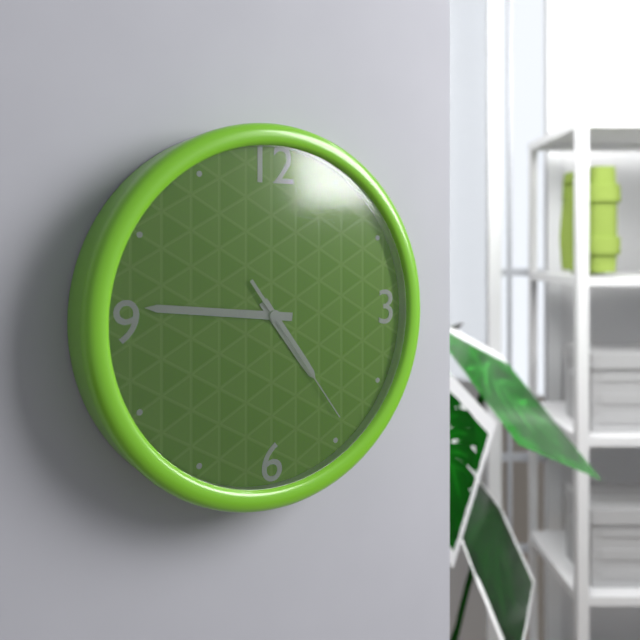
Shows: 4:46:24
